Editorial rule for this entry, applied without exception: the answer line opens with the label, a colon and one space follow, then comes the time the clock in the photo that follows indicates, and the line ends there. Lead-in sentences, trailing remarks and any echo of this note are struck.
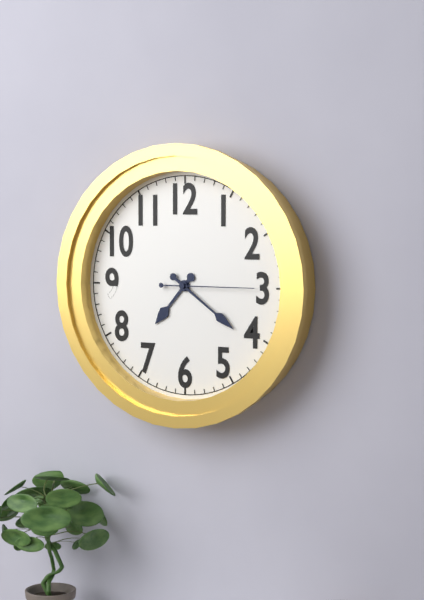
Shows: 7:21:15
